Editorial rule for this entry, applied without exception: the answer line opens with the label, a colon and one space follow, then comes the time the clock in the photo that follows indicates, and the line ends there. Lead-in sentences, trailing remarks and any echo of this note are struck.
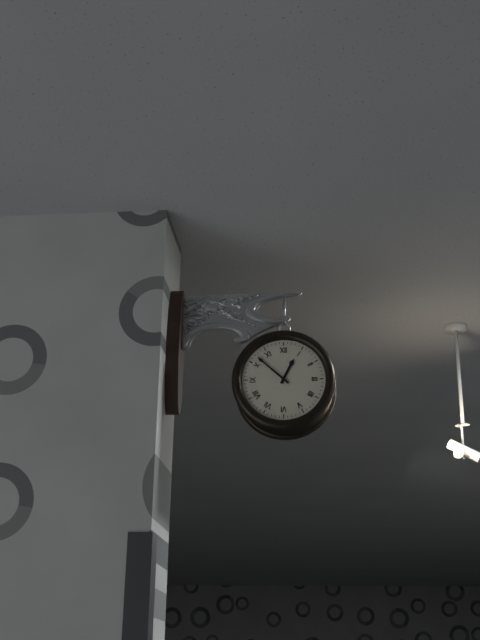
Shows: 12:52
